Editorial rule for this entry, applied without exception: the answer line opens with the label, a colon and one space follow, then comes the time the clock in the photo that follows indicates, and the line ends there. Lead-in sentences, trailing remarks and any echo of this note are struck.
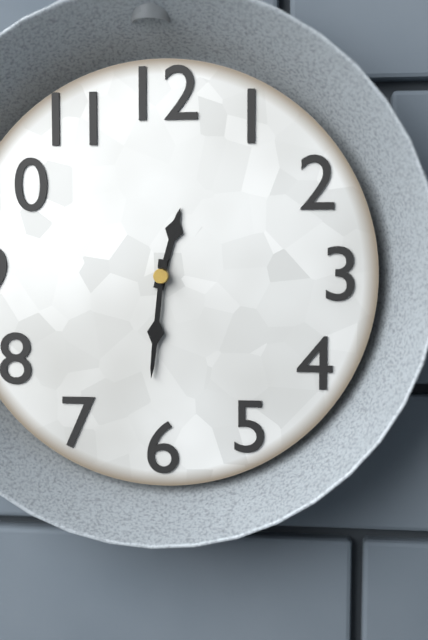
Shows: 12:31
